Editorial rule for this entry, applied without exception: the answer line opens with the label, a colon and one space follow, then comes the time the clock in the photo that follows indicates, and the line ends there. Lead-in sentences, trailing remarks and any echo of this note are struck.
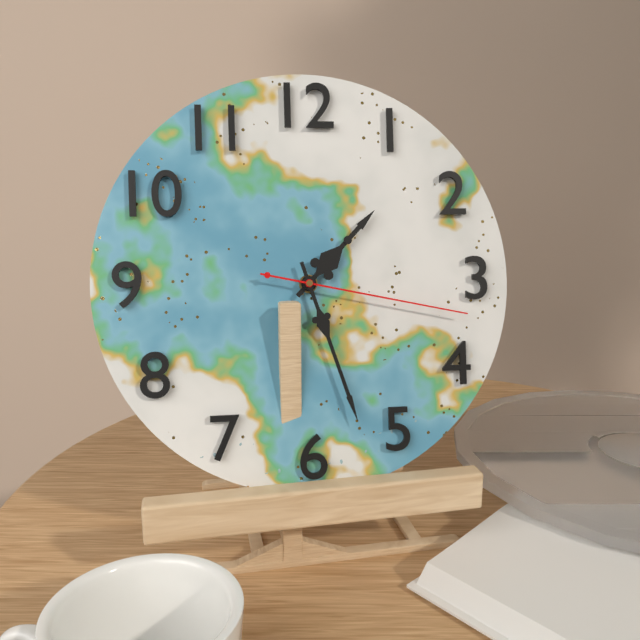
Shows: 1:27:17
